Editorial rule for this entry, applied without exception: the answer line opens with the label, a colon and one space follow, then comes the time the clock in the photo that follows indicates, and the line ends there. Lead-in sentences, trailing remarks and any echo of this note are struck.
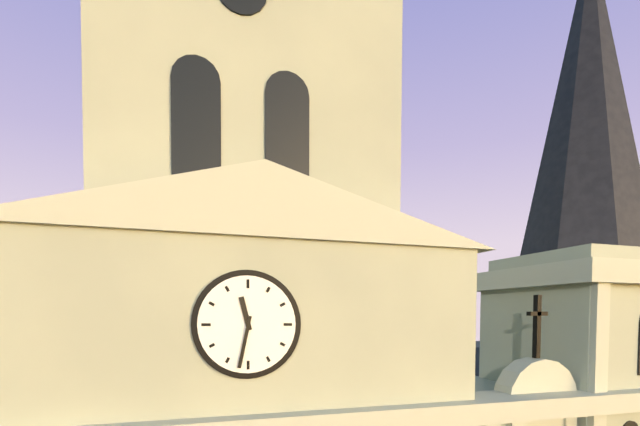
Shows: 11:32
